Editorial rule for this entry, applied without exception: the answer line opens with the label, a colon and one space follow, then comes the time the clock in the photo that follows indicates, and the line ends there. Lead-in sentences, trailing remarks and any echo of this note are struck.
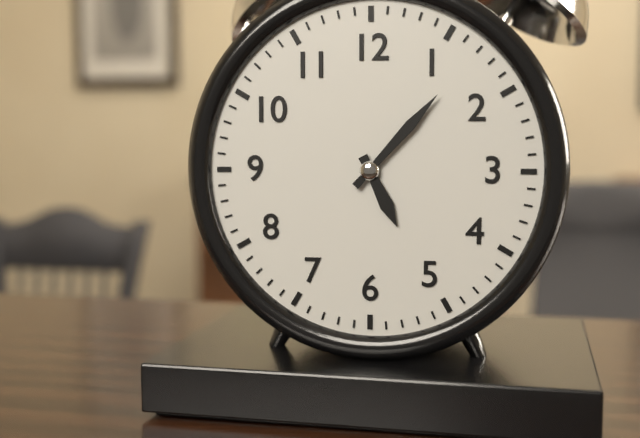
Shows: 5:07
